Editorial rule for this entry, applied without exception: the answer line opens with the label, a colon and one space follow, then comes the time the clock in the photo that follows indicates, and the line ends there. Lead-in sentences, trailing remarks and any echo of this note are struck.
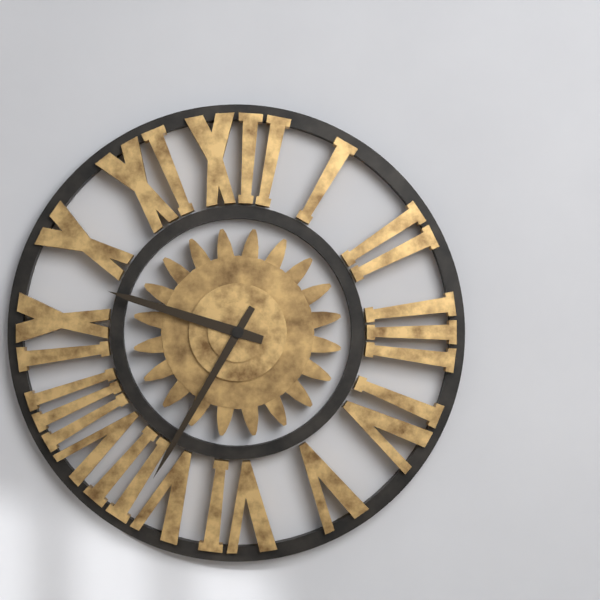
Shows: 9:35
